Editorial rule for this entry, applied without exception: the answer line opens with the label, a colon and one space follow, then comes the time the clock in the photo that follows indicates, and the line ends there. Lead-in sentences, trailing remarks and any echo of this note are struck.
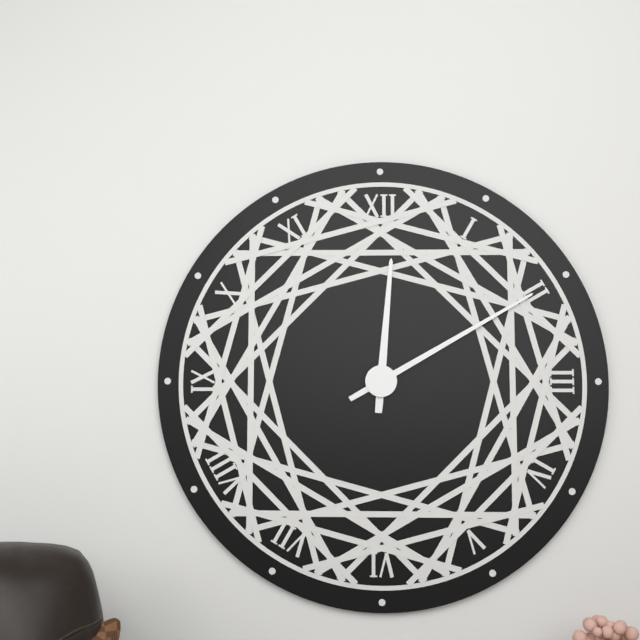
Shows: 12:10
